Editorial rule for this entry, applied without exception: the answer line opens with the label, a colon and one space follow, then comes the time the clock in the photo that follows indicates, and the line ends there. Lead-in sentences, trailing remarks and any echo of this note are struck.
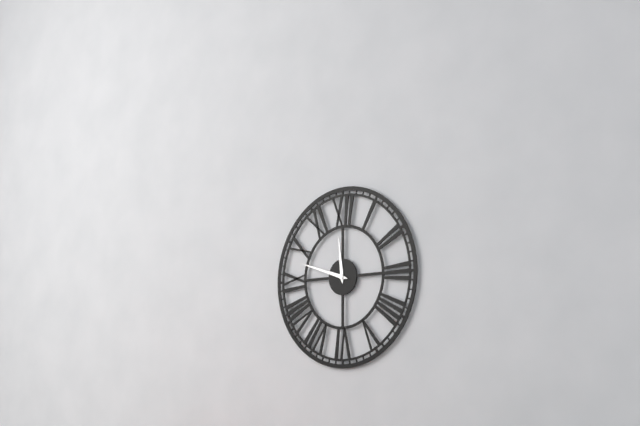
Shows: 11:48
